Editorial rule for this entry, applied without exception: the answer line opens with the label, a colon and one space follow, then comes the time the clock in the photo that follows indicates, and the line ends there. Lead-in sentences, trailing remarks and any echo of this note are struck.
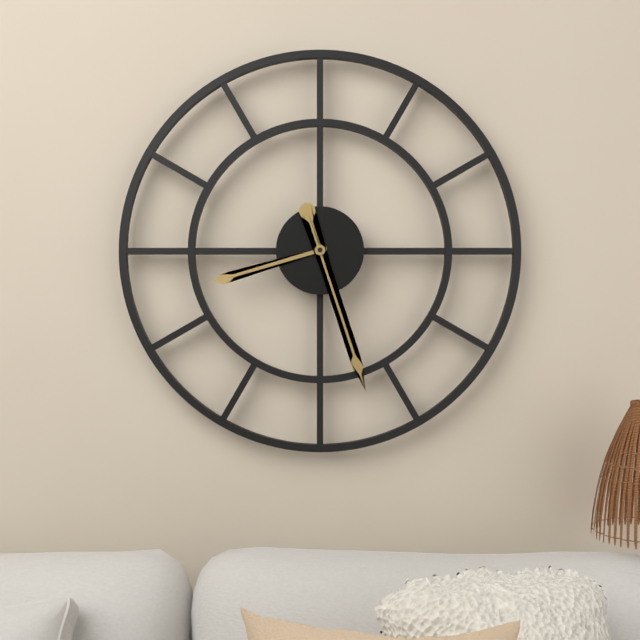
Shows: 8:27
